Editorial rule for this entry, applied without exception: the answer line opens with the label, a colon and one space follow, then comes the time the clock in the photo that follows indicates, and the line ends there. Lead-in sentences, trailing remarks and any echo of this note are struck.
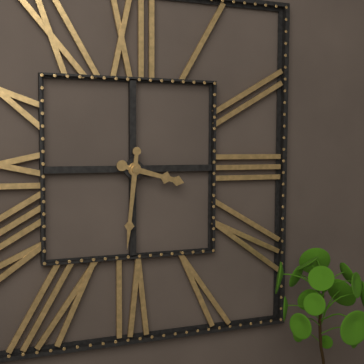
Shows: 3:31
